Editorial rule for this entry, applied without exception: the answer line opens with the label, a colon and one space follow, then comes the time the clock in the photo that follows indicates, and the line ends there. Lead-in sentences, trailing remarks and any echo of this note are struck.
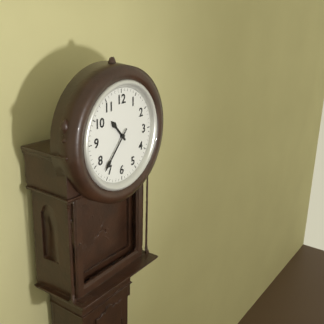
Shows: 10:37
